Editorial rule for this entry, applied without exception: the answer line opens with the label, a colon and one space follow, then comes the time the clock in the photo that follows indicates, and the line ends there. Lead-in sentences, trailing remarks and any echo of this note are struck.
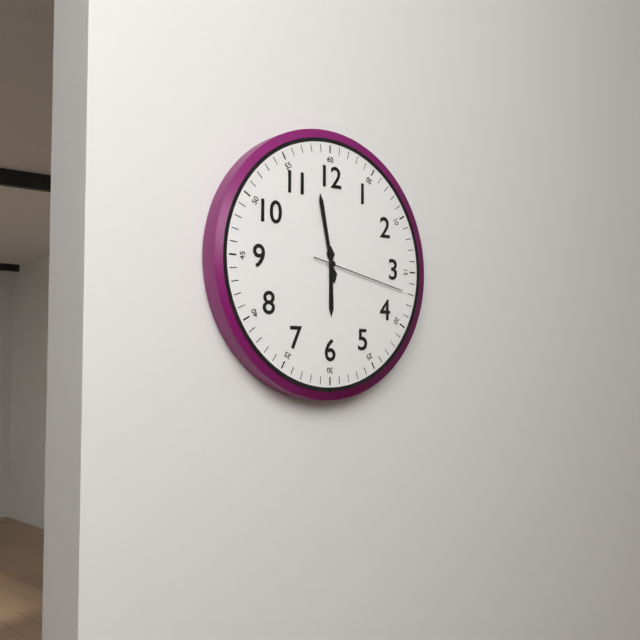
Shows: 5:58:17
